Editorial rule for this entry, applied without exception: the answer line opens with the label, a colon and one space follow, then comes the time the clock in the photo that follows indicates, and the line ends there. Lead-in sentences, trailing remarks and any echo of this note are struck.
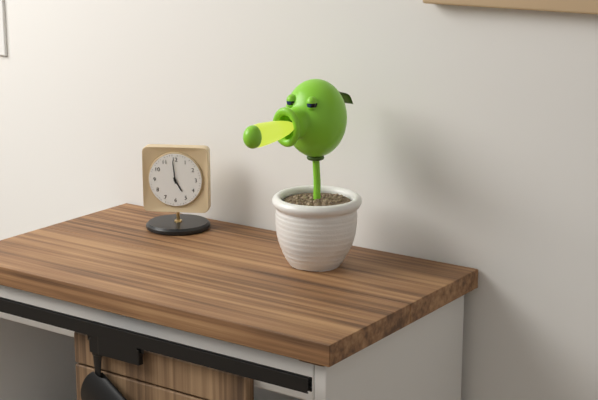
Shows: 4:59
